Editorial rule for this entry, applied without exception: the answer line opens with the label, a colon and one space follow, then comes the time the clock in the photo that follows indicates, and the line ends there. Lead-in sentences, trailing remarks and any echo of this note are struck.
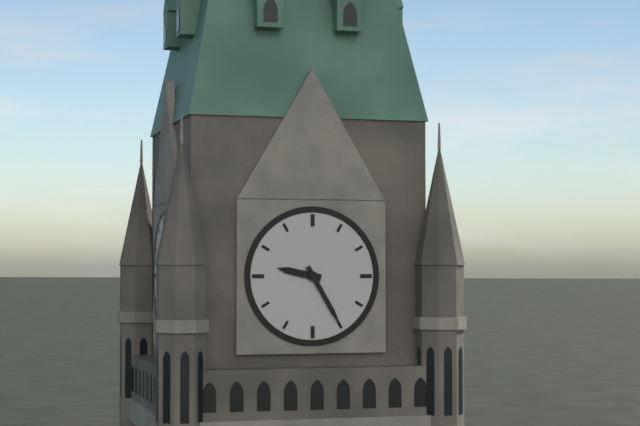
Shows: 9:25
